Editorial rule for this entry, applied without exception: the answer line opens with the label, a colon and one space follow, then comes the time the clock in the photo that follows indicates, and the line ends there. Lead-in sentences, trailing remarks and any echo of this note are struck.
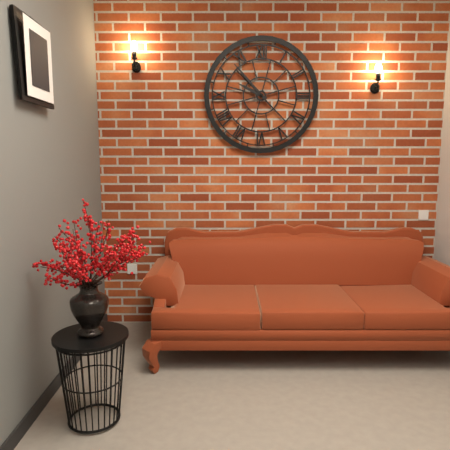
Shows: 9:53
